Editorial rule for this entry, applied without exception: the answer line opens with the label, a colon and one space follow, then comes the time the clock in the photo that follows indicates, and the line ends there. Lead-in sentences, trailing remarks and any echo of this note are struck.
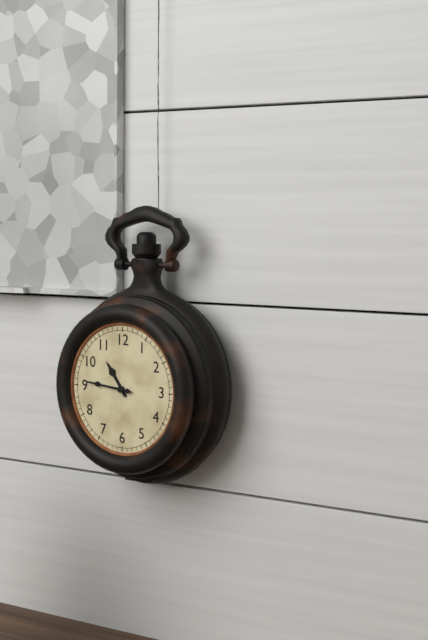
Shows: 10:46
